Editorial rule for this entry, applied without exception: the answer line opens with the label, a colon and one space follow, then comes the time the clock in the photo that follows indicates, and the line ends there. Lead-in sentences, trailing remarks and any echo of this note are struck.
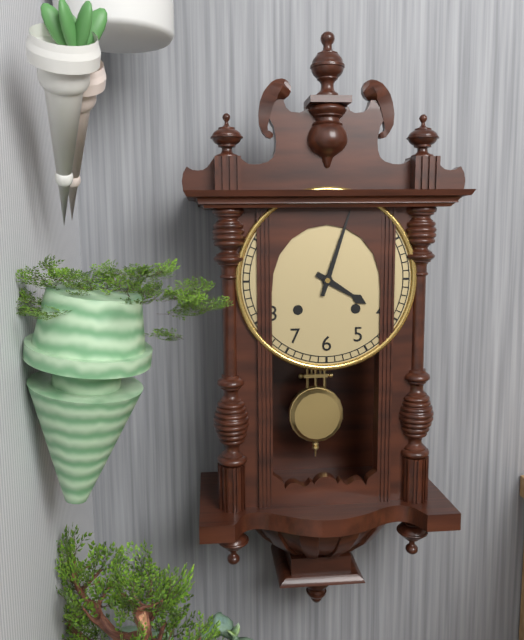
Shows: 4:03
